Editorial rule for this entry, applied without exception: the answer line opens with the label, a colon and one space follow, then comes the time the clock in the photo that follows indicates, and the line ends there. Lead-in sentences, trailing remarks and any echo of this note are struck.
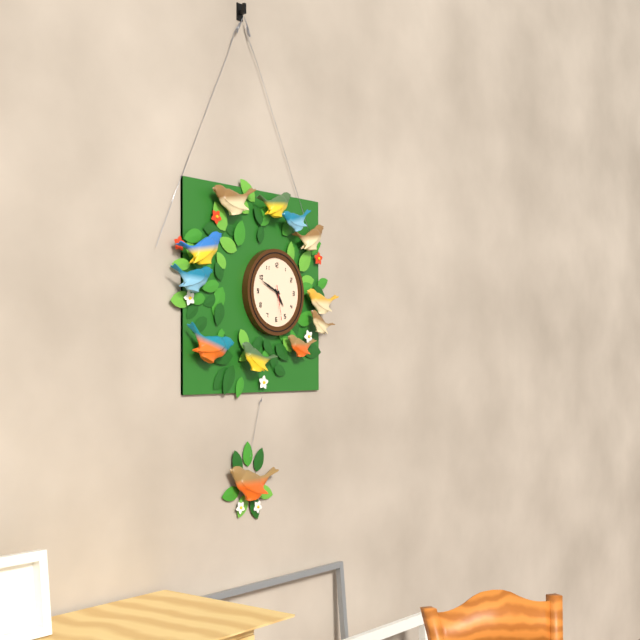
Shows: 4:49
